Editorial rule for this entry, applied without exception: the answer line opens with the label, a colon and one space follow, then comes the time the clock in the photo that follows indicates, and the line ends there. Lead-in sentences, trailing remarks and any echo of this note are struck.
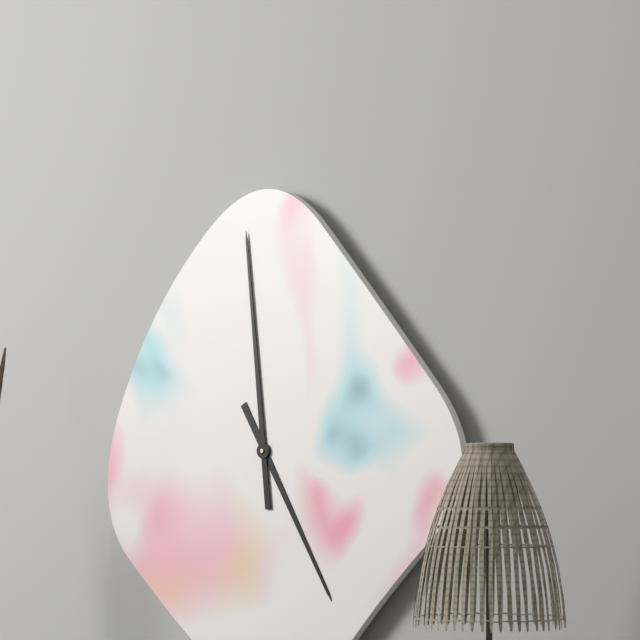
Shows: 4:59
